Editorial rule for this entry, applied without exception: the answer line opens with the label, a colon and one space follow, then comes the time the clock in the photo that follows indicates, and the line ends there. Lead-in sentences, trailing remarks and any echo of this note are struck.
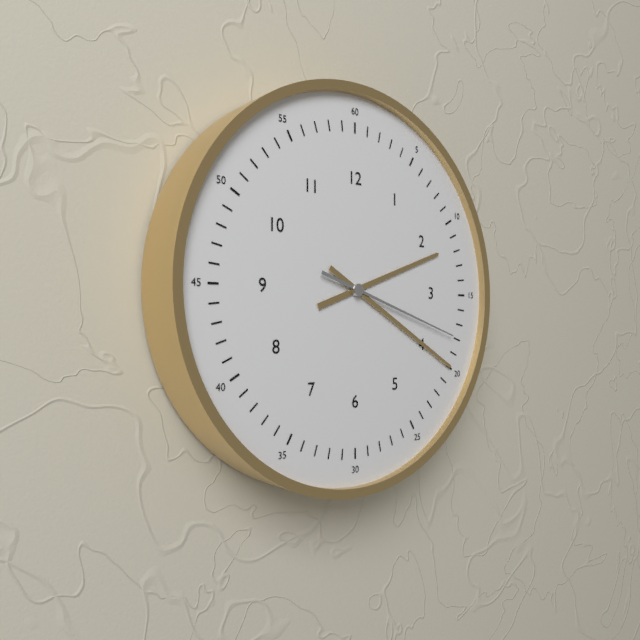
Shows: 2:20:18
